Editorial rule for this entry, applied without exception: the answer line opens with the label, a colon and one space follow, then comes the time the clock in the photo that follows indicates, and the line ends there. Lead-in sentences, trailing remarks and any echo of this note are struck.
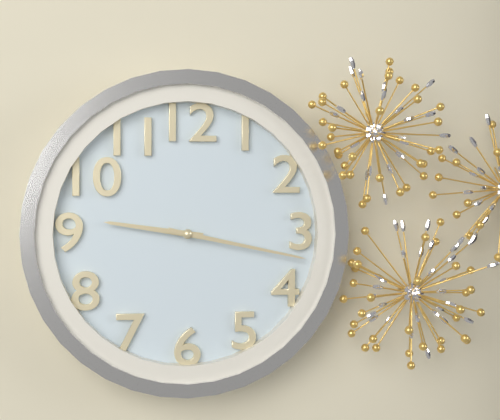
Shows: 9:17
